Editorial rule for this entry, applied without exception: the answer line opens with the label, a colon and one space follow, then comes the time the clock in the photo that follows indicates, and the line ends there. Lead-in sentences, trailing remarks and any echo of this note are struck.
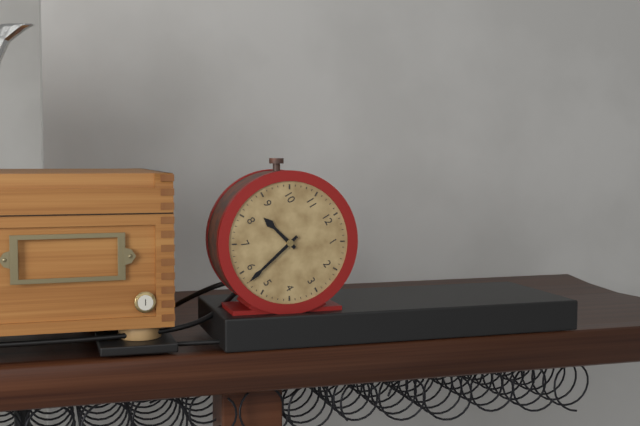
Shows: 8:28
